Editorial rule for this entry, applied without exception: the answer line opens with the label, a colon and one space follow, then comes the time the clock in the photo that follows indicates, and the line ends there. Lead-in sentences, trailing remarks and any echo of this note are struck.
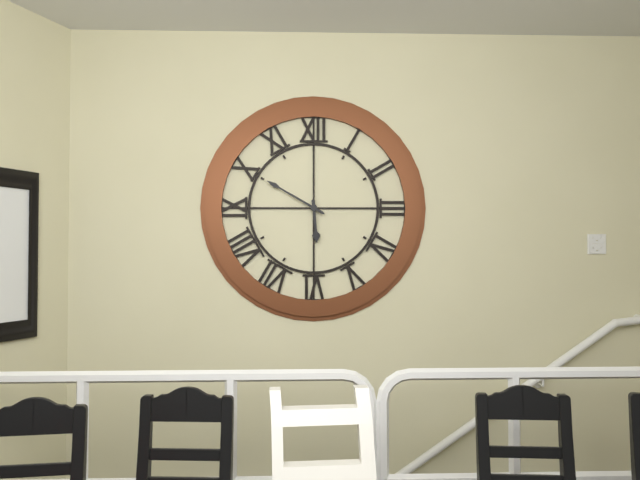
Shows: 5:50
